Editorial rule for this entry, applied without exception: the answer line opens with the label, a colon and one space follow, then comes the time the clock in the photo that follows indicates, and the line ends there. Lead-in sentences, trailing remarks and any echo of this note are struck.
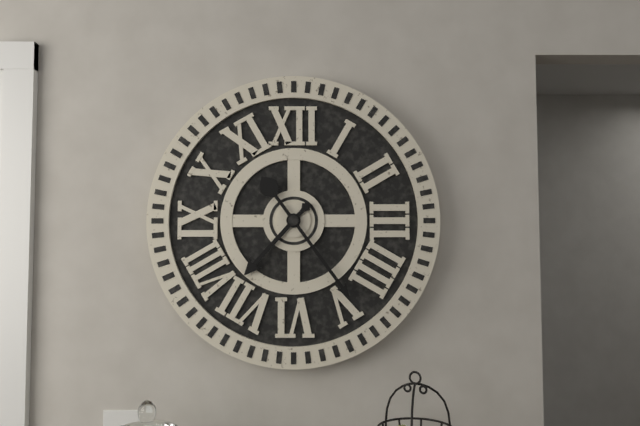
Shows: 7:24
